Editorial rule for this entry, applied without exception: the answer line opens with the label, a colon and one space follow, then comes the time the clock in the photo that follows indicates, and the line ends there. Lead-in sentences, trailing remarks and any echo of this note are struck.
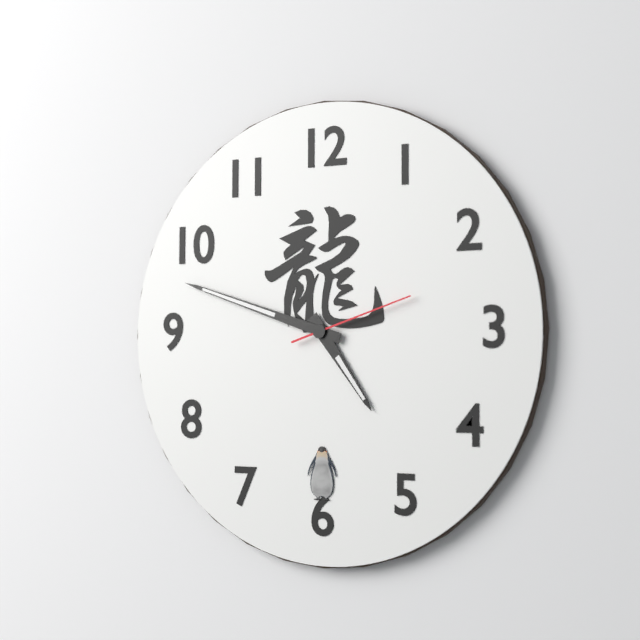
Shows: 4:48:12
